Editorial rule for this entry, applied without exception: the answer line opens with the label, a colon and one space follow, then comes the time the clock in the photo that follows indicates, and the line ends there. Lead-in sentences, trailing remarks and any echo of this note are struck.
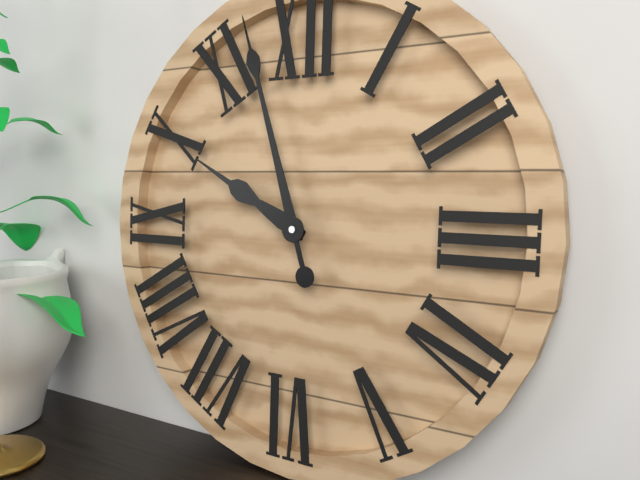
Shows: 9:57
